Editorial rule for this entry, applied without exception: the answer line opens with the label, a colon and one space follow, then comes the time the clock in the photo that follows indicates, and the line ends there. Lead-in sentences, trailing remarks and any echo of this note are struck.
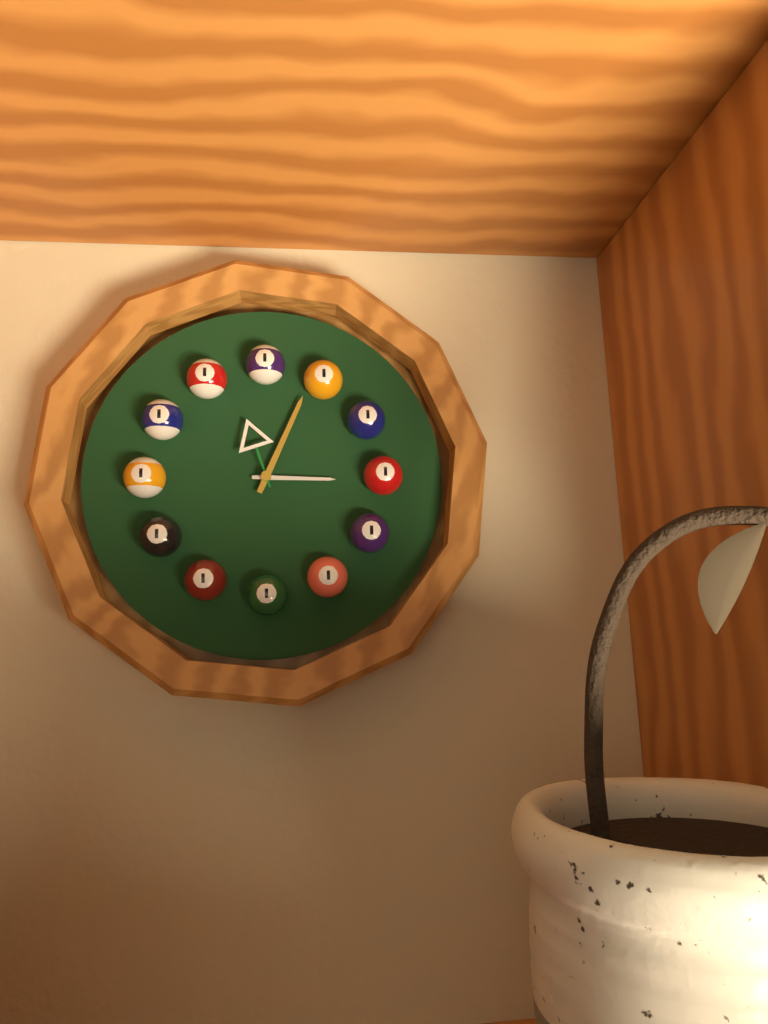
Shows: 3:04:57
